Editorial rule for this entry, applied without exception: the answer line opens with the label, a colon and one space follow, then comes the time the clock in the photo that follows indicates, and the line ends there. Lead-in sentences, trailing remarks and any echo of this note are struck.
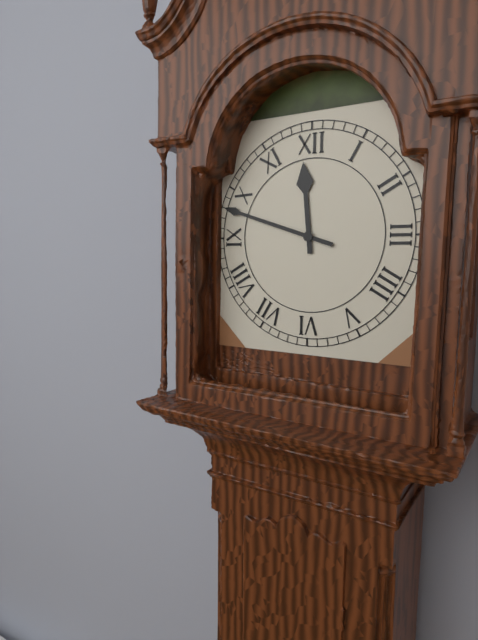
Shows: 11:48
